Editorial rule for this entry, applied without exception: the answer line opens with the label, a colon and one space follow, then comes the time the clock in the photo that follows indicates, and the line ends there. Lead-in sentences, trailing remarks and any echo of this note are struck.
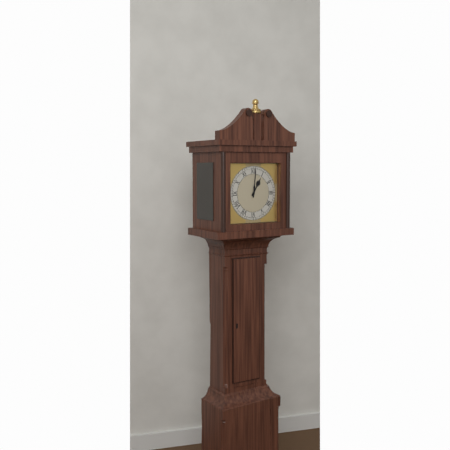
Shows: 1:01
